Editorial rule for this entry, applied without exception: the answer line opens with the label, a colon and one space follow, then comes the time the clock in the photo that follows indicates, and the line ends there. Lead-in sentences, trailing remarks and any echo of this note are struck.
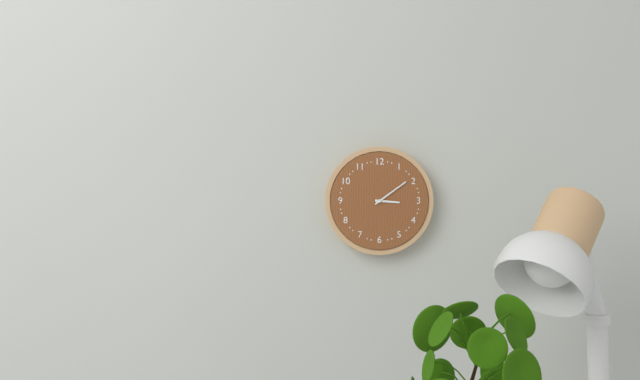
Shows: 3:09
